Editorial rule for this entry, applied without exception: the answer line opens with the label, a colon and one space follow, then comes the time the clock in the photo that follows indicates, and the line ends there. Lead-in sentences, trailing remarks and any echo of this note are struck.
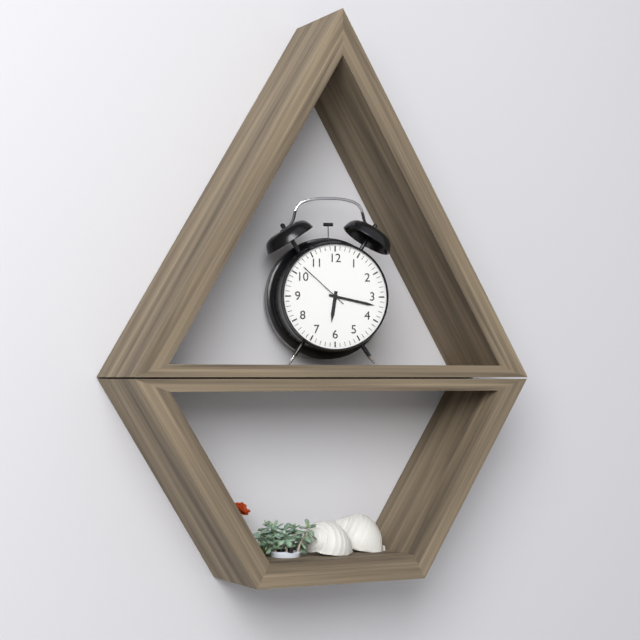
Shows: 6:17:52
